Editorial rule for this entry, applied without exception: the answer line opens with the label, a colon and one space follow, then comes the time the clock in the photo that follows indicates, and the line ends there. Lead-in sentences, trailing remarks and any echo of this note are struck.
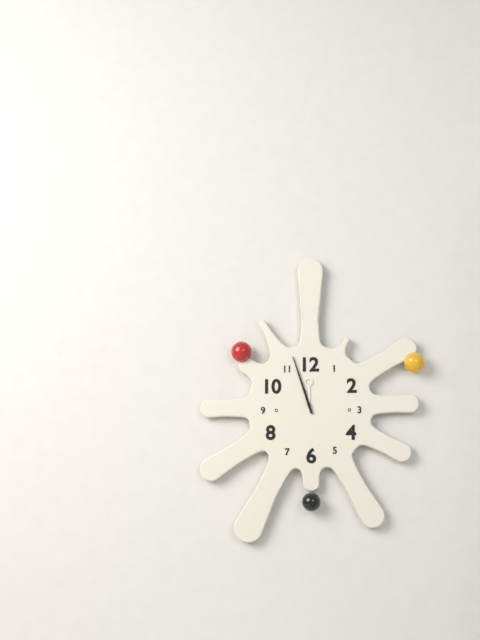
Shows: 11:57
